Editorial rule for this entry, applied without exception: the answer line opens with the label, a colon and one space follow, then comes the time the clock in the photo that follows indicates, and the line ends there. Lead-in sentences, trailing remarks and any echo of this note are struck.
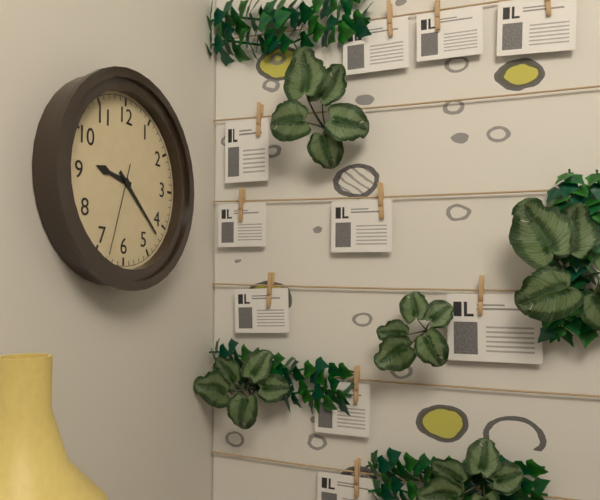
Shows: 9:22:33
